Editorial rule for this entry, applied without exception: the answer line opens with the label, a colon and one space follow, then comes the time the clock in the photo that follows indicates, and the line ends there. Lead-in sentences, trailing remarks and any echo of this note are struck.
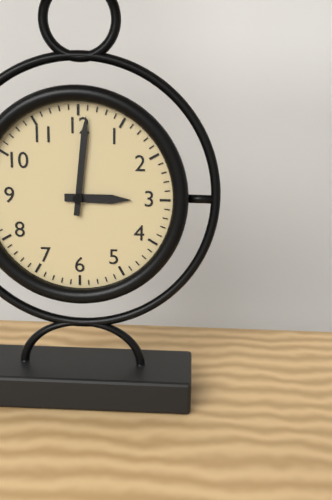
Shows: 3:01
